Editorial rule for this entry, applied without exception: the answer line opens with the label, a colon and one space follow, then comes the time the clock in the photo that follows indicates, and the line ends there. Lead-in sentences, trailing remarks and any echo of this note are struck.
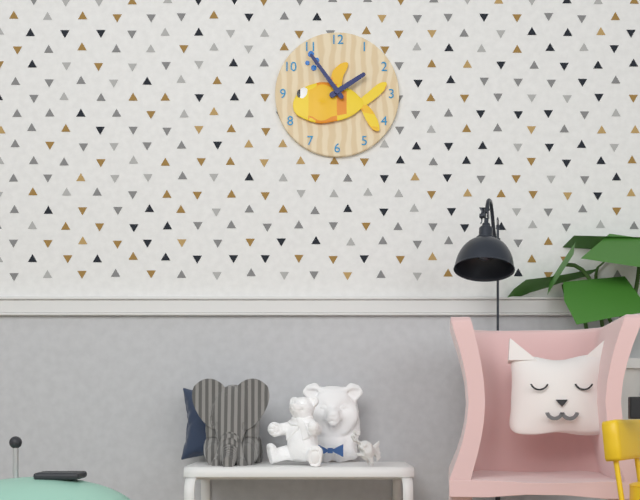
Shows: 1:54
